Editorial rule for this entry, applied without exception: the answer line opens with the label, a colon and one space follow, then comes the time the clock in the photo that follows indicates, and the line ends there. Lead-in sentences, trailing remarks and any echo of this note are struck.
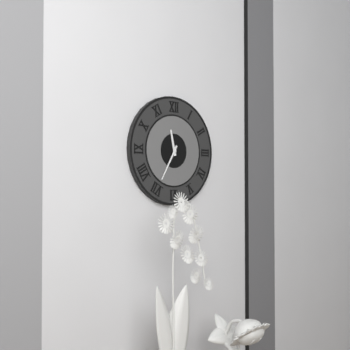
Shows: 11:35
